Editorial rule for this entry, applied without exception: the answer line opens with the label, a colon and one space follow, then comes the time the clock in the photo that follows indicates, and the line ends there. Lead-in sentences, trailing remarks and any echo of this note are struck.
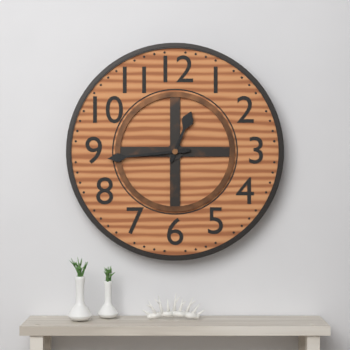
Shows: 12:44
